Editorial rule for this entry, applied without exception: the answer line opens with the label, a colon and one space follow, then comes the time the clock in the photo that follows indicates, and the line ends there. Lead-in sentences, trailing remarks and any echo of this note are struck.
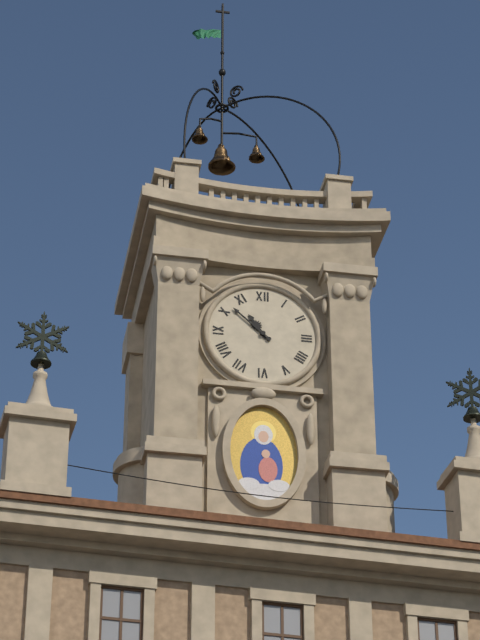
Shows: 10:52
